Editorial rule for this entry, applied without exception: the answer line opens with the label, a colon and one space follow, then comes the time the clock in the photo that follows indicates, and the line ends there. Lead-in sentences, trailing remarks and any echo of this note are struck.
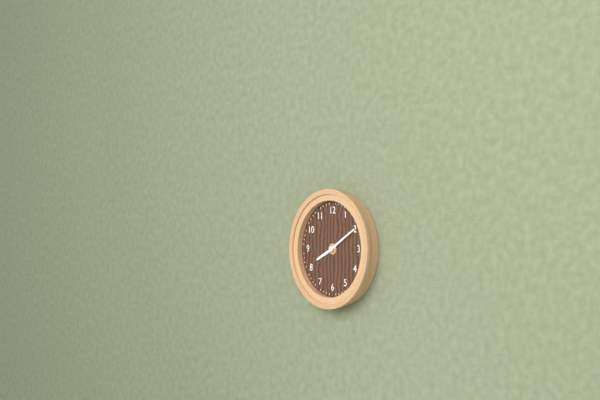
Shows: 8:10
